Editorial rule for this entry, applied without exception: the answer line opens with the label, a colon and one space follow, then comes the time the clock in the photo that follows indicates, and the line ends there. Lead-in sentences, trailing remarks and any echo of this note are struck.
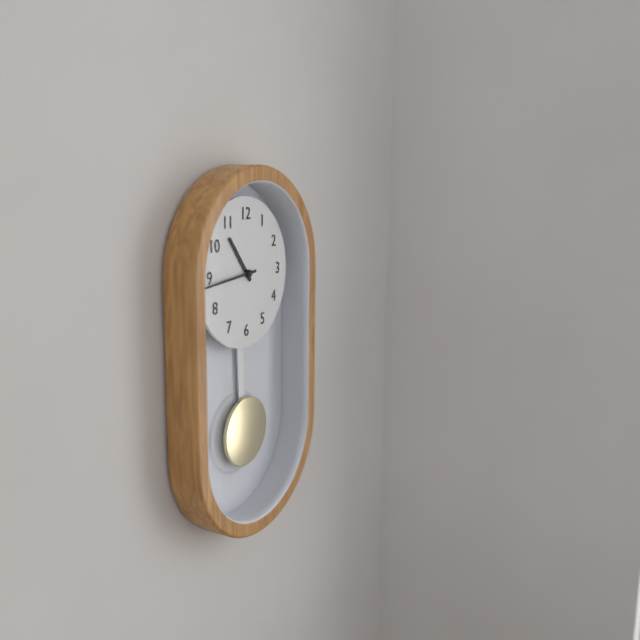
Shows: 10:44
